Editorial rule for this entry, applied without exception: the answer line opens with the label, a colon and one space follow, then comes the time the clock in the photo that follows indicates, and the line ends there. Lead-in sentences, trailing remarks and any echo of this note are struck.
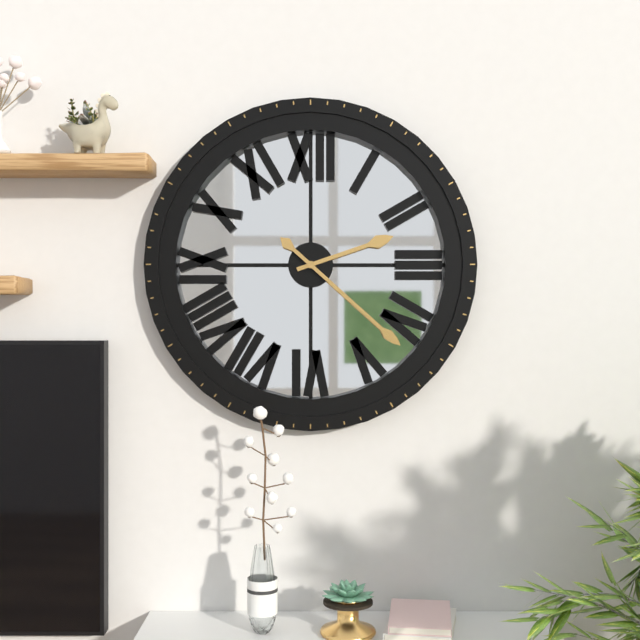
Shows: 2:22
